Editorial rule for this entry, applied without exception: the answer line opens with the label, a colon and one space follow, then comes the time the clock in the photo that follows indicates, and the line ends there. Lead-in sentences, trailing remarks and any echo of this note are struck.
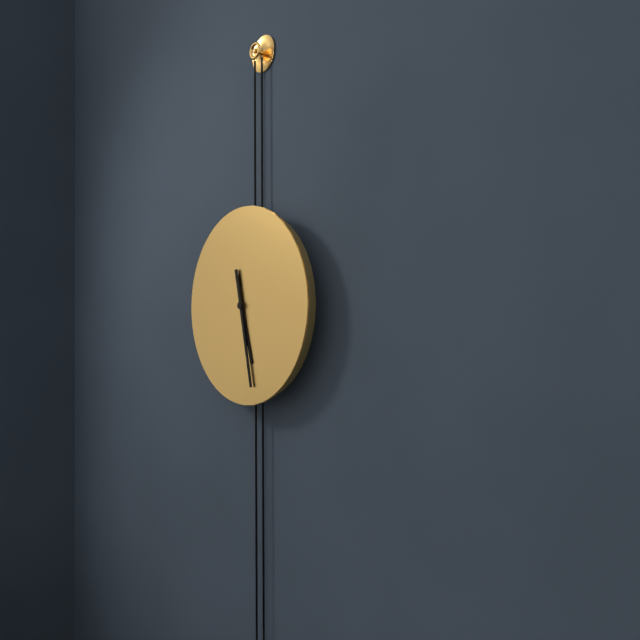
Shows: 5:28
